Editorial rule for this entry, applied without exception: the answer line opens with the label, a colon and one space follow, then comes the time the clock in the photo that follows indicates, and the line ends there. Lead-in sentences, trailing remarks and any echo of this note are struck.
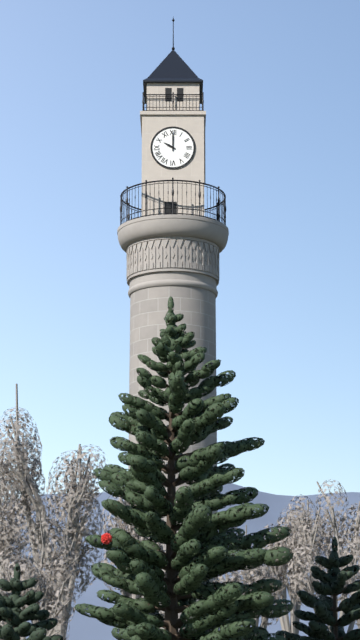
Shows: 10:00
